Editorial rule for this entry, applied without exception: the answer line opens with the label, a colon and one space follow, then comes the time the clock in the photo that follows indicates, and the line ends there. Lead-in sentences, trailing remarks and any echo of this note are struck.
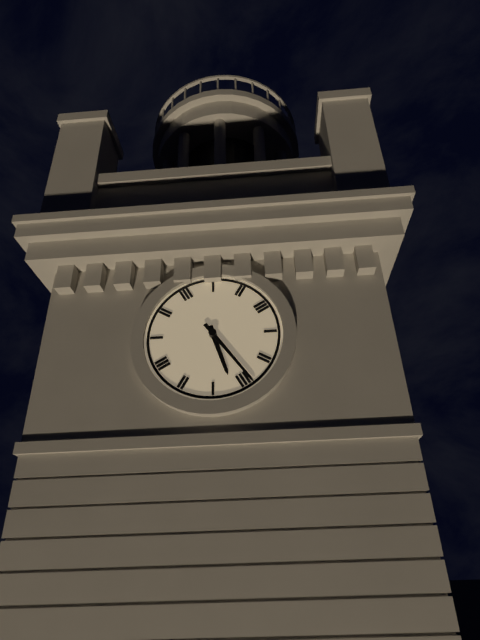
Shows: 5:24
